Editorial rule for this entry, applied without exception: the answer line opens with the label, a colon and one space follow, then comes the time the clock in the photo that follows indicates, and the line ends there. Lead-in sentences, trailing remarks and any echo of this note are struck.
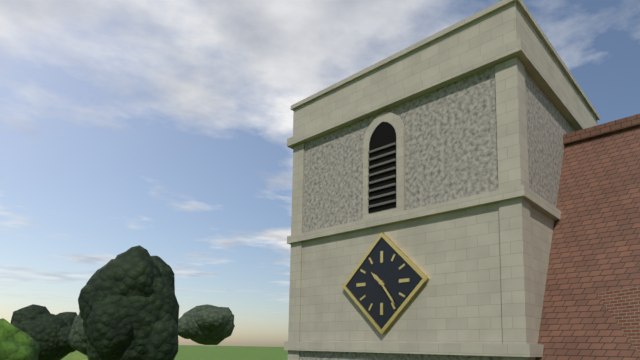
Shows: 10:24
